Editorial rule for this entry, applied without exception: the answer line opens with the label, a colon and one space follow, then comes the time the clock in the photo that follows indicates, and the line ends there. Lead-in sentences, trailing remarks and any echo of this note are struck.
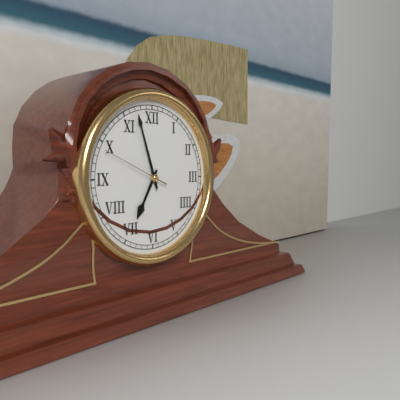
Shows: 6:57:49
